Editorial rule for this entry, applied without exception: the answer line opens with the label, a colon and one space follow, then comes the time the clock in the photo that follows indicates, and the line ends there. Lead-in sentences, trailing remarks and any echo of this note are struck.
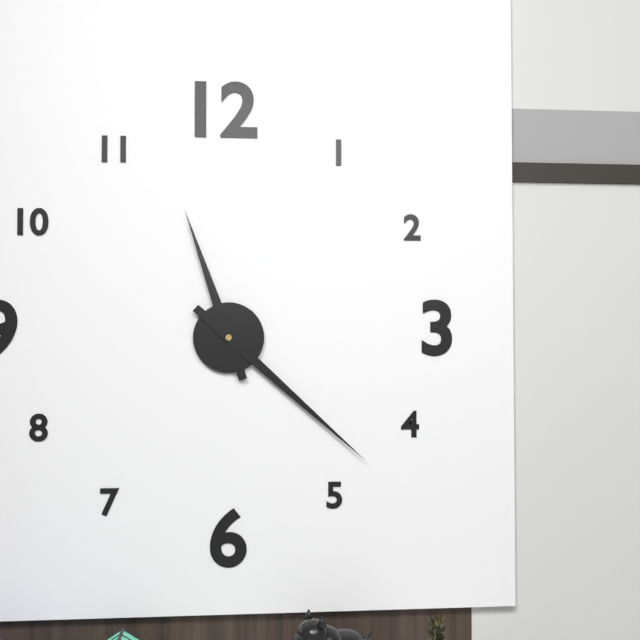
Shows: 11:22
